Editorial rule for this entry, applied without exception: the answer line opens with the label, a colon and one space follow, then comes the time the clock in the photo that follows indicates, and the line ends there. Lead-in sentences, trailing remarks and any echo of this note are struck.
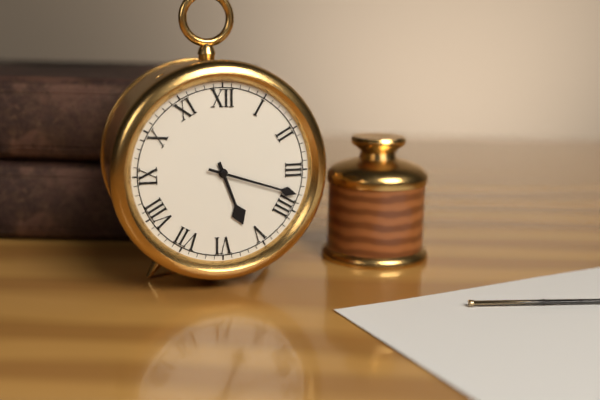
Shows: 5:18
